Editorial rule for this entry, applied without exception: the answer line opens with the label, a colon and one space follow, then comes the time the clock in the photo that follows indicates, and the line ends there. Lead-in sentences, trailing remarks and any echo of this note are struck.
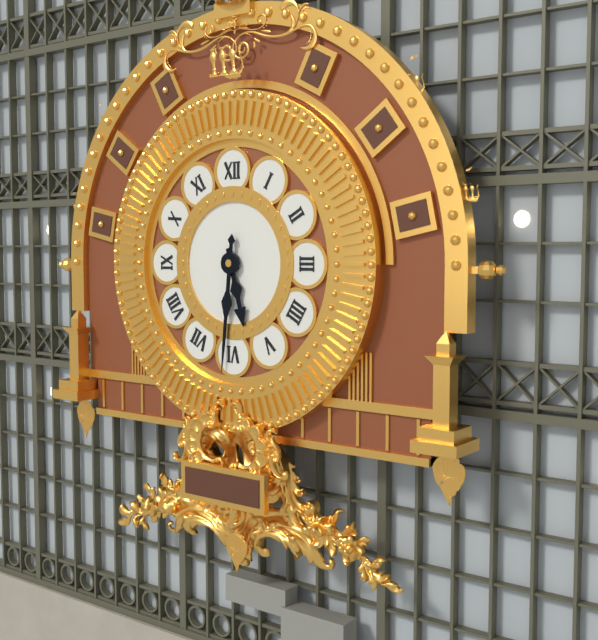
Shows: 5:31
